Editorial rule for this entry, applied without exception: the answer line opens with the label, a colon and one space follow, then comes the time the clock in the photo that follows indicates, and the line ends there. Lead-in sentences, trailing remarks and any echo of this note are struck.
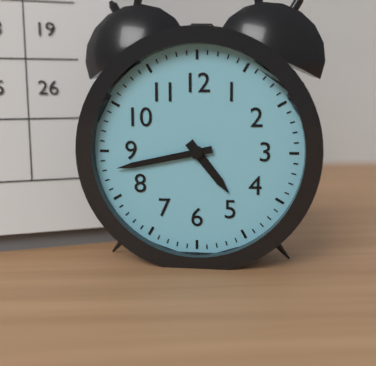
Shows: 4:43
